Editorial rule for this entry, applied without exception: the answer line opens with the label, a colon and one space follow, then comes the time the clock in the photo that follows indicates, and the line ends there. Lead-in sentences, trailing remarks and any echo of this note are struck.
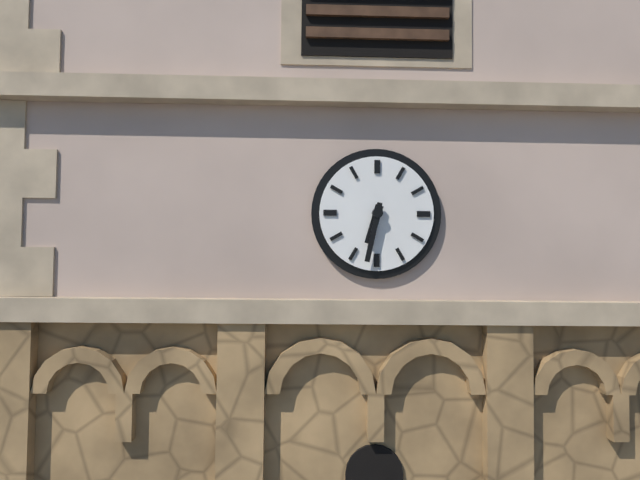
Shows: 6:32
